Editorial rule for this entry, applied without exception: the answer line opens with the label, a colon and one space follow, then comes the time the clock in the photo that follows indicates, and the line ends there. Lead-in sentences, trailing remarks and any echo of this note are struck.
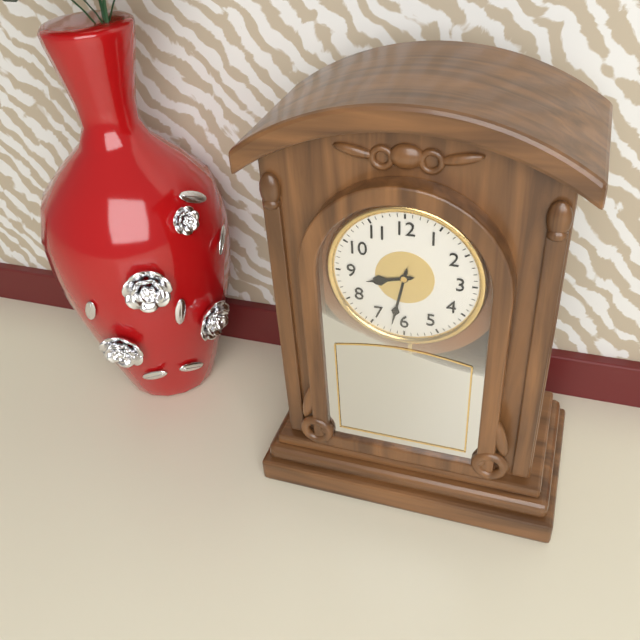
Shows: 8:32
